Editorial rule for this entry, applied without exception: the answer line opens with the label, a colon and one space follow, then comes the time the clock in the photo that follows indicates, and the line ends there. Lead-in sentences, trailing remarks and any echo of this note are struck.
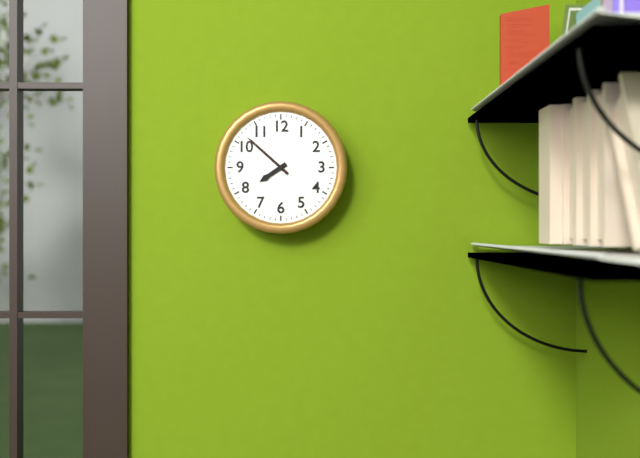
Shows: 7:52
